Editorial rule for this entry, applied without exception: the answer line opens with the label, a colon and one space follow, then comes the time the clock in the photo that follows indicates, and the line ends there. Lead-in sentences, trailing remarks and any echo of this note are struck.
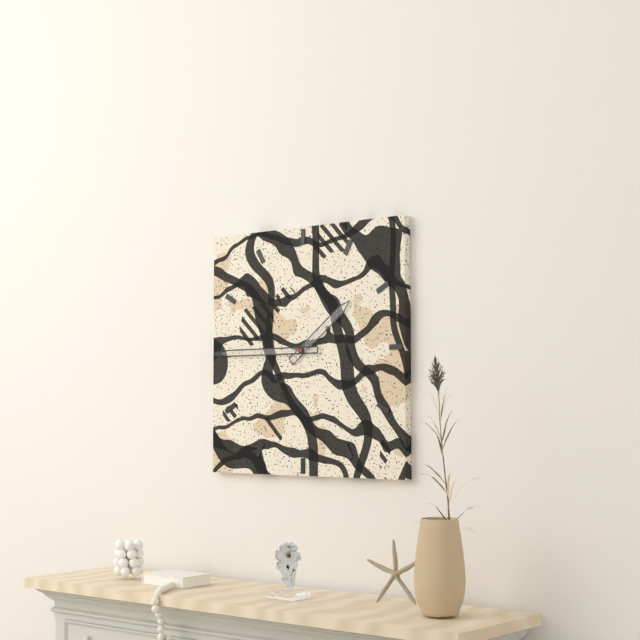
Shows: 1:45
